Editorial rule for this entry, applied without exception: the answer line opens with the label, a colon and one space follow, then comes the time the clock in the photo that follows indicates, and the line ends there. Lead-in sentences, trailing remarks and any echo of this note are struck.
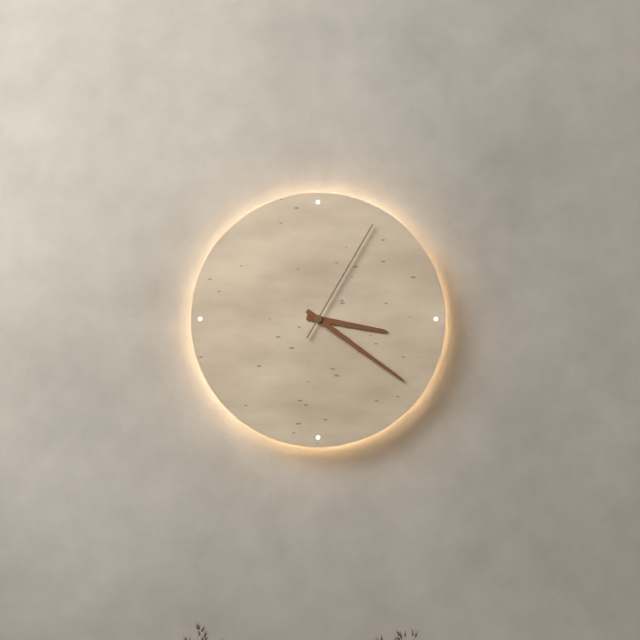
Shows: 3:21:05
